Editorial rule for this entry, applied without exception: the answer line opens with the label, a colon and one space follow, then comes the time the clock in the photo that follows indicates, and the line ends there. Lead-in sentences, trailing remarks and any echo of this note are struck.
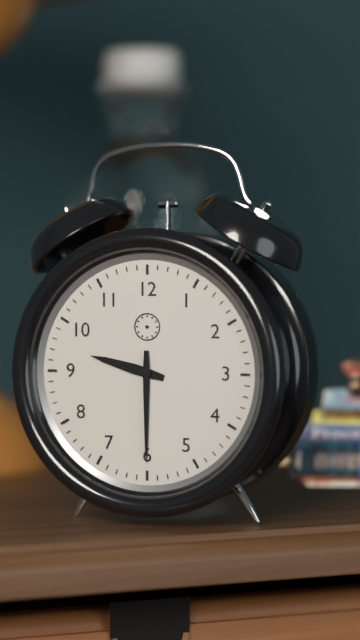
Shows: 9:30
